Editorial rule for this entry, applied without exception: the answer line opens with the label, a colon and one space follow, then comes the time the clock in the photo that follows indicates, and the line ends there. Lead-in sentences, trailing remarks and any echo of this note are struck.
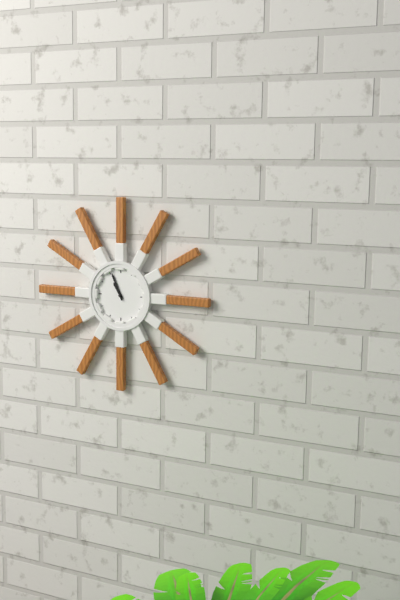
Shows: 10:56
